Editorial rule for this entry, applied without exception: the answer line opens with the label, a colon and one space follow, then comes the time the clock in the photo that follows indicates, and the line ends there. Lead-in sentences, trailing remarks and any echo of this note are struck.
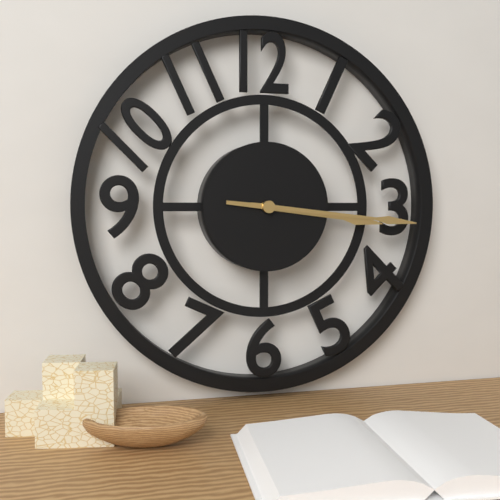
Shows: 3:16
